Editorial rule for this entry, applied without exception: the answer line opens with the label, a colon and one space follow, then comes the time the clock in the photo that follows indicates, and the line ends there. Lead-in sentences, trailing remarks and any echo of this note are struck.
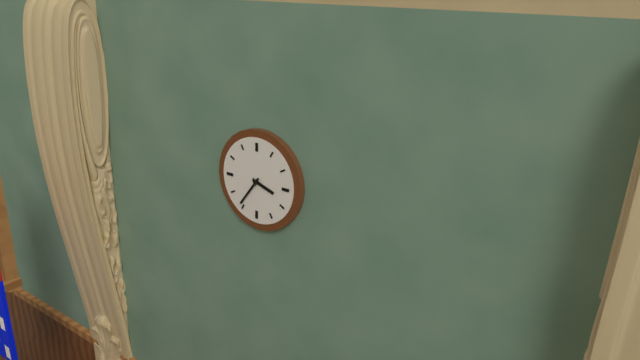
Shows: 3:36
